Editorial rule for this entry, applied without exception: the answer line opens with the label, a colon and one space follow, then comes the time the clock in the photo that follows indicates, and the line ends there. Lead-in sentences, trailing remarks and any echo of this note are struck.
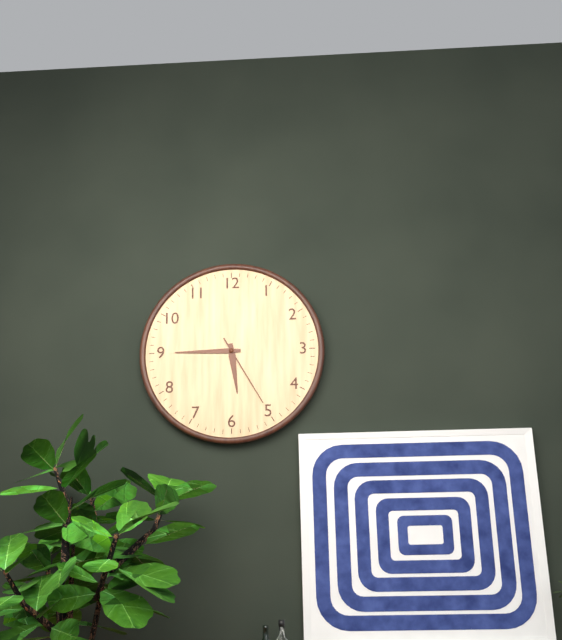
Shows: 5:45:25
